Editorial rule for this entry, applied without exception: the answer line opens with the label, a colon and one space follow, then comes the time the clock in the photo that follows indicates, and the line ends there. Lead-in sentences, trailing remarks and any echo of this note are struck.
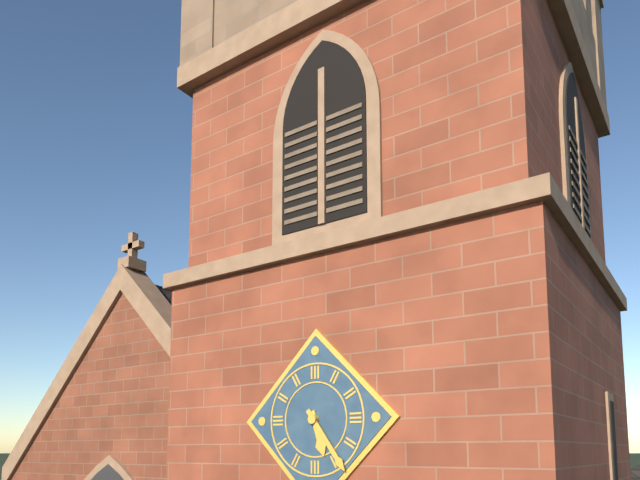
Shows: 5:24
